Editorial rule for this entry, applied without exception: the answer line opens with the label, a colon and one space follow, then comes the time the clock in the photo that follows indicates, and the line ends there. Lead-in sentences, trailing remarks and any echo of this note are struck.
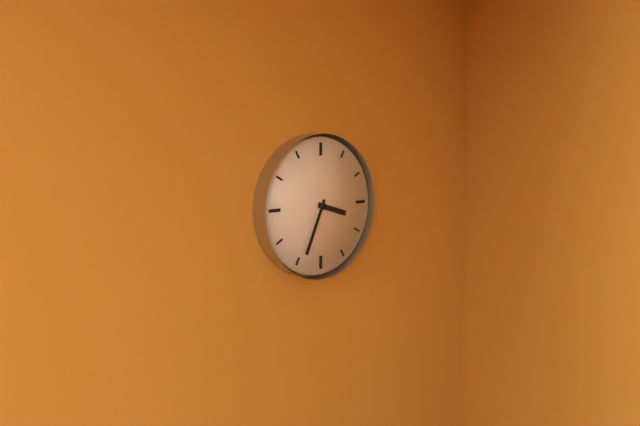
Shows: 3:34
